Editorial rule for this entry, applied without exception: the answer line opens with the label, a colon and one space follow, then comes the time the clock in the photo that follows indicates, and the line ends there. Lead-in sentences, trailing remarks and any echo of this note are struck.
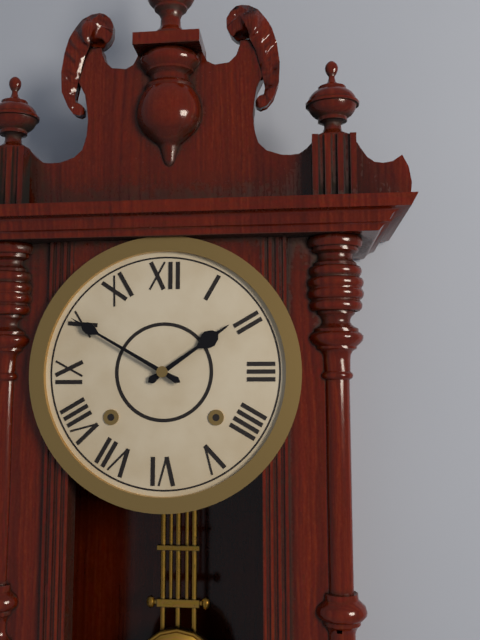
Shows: 1:50
